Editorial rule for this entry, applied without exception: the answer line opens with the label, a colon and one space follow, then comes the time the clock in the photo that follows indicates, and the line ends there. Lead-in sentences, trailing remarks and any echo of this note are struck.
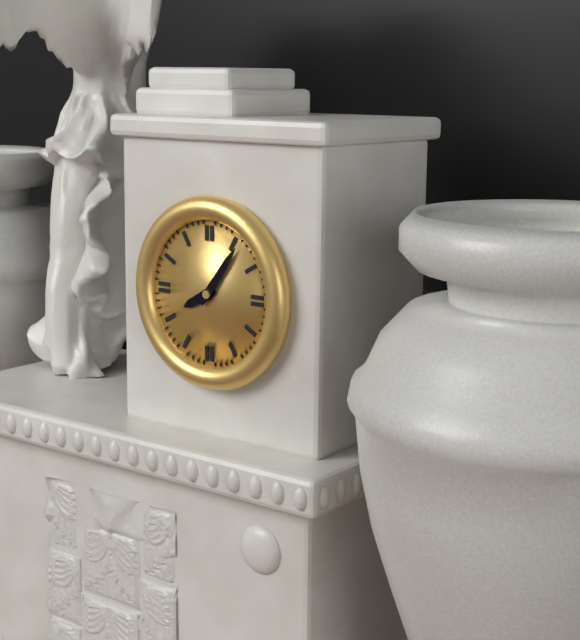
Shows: 8:06
